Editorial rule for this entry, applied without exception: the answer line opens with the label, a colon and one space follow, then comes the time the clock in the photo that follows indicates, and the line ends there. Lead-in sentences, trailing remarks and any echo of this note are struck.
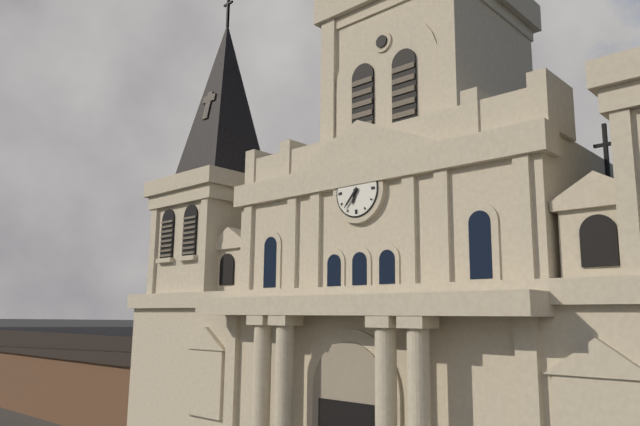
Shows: 6:37
